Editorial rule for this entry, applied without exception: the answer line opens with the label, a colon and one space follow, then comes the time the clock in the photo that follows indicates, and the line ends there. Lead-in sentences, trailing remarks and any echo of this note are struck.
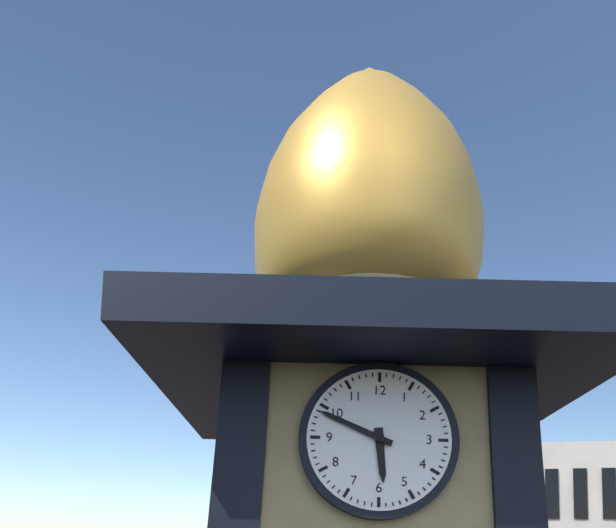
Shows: 5:49
